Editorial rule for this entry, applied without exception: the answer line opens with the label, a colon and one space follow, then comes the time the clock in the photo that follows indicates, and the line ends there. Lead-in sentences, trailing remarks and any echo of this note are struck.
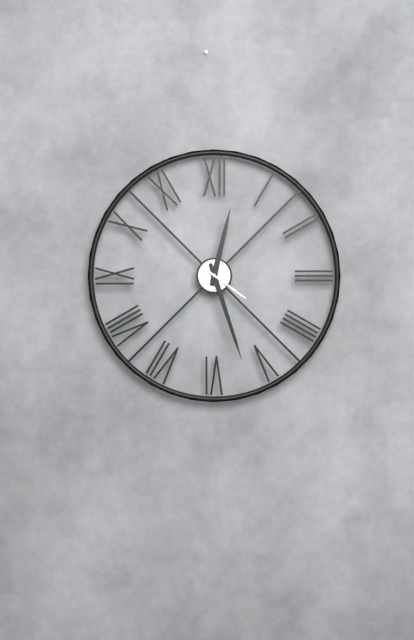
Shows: 12:27
